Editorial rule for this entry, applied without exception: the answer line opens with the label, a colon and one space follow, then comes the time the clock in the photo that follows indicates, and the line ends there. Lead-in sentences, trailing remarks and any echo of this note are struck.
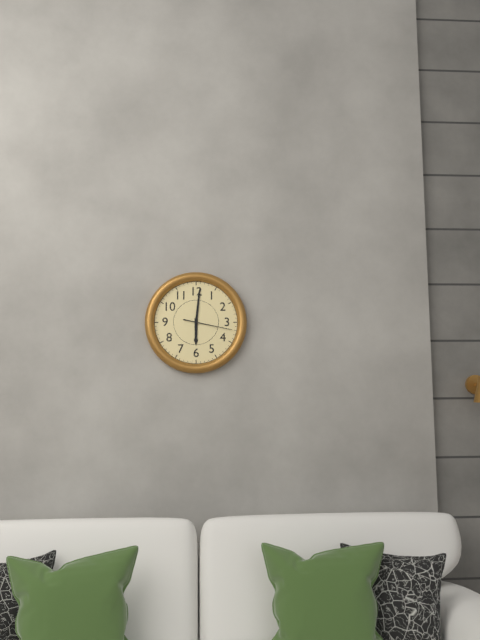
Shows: 6:01
